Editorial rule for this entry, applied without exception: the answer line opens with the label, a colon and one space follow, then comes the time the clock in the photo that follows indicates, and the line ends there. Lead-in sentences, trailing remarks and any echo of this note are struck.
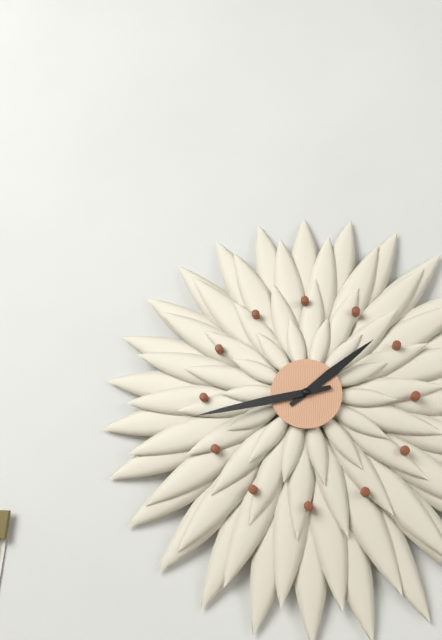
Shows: 1:43
